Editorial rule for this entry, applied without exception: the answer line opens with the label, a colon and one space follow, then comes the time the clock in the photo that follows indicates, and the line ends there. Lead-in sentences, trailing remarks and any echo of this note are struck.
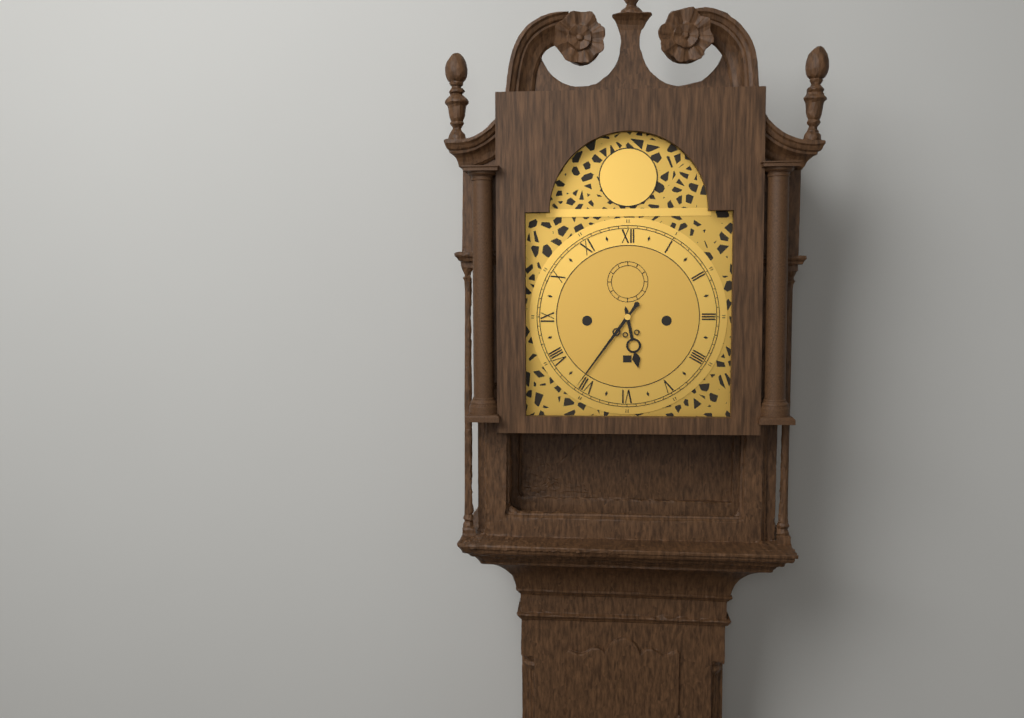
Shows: 5:36
